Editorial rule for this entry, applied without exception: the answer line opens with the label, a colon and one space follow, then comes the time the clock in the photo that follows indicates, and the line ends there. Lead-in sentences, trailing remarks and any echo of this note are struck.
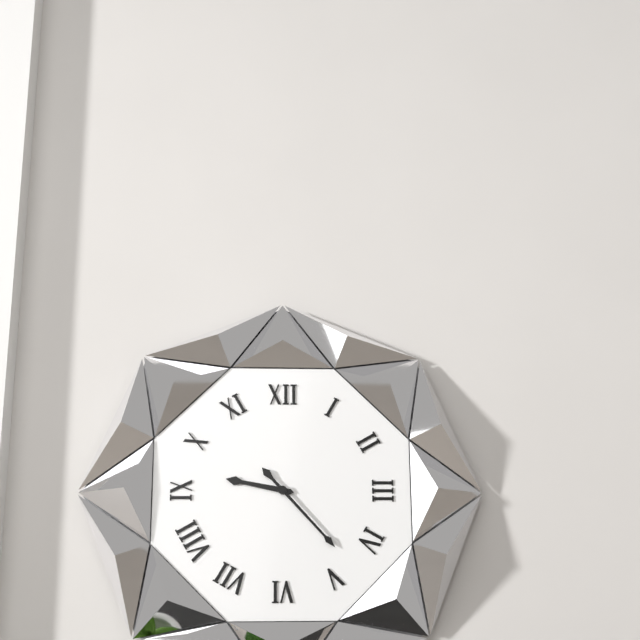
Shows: 9:23
